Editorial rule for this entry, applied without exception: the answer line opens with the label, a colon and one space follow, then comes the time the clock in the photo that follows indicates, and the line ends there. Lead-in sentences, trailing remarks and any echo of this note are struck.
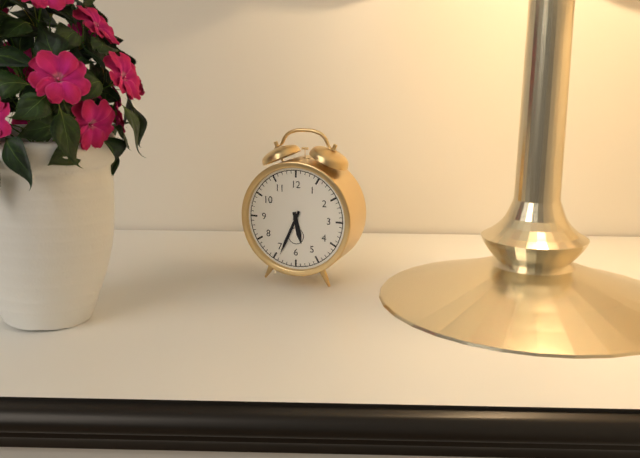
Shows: 5:34
